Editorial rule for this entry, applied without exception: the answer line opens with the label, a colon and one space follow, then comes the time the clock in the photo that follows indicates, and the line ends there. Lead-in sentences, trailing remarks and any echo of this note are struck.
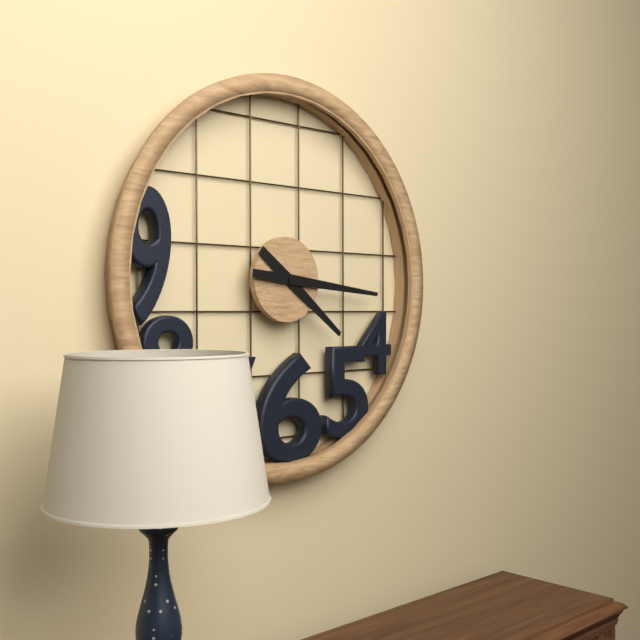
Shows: 4:16
